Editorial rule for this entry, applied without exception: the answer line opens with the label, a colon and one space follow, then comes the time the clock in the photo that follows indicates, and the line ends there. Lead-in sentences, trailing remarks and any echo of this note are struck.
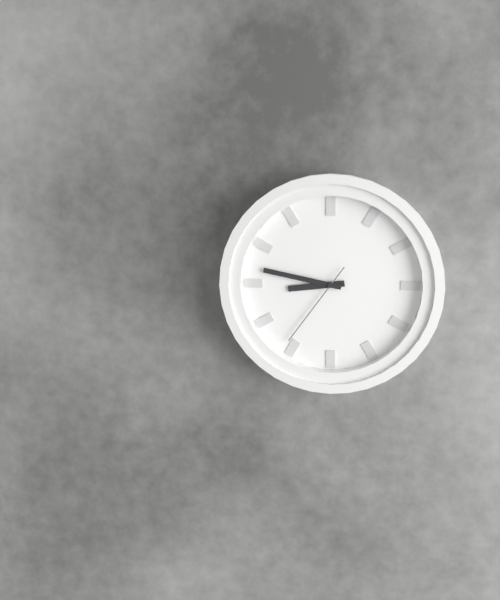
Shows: 8:47:36
